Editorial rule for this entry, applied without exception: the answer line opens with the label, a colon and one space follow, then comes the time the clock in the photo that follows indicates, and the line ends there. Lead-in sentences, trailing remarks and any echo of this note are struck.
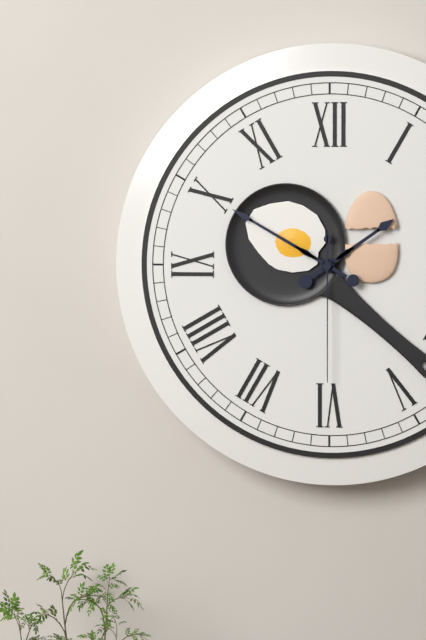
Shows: 1:50:30
